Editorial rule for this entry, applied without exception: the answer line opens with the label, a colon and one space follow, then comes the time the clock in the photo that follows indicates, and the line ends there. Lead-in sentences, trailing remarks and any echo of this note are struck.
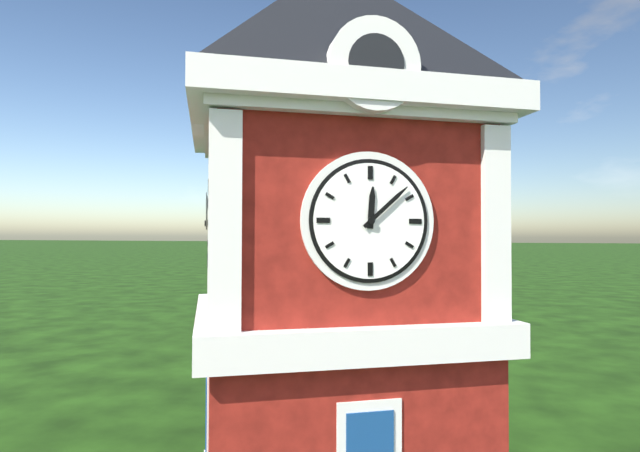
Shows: 12:08
